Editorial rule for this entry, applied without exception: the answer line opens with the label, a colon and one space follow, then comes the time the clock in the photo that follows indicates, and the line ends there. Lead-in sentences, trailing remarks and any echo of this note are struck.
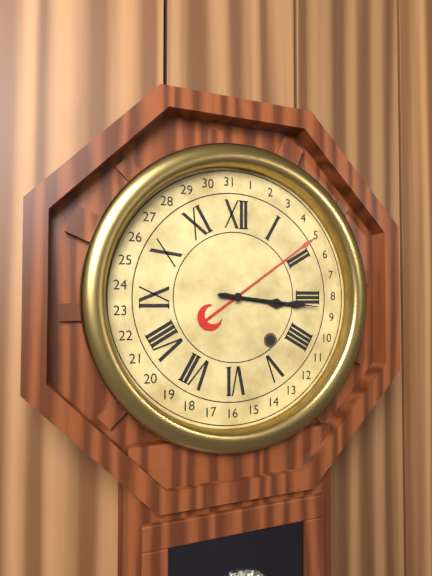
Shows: 3:16
